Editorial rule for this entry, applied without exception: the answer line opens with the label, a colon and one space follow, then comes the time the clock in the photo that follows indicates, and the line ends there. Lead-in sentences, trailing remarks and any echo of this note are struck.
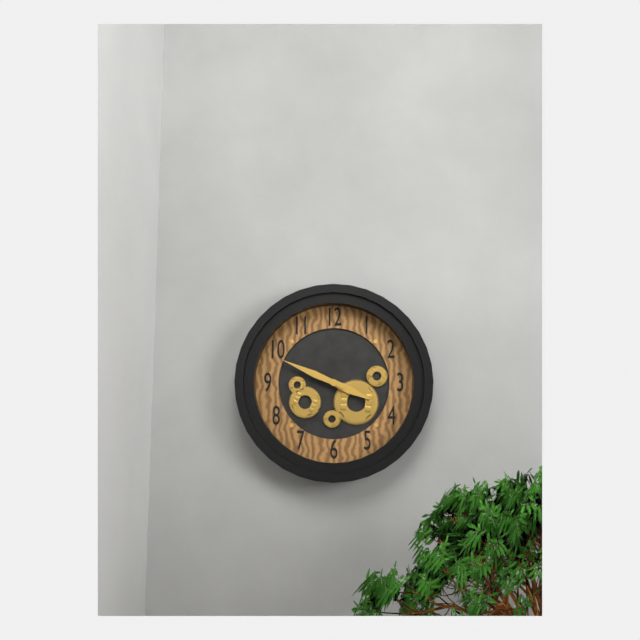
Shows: 3:49
